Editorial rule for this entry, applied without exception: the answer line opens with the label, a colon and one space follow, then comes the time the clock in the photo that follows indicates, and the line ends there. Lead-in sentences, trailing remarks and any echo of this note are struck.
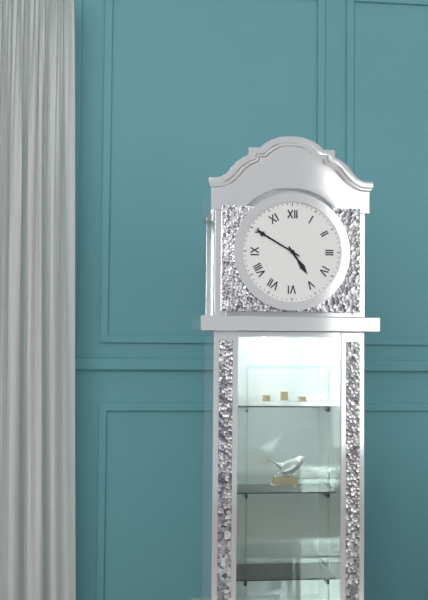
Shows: 4:50
